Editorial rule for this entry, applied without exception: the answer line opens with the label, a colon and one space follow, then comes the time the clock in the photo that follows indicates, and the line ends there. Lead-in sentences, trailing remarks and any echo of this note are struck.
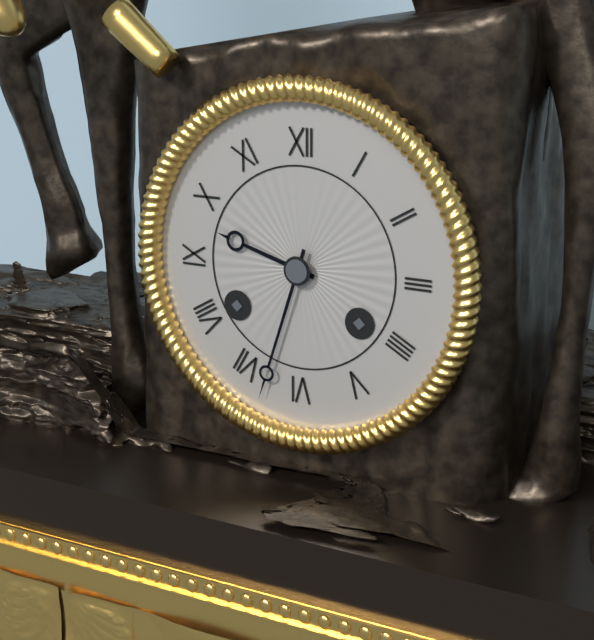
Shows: 9:33
